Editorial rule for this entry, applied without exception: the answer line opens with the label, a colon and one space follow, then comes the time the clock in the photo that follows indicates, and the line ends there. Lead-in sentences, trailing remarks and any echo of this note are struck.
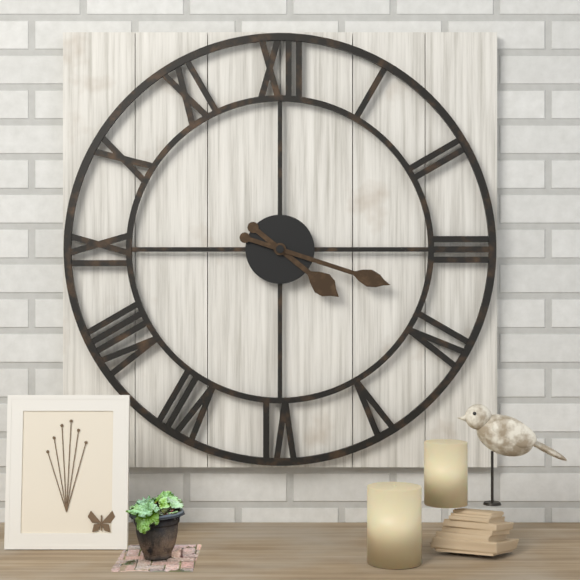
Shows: 4:18
